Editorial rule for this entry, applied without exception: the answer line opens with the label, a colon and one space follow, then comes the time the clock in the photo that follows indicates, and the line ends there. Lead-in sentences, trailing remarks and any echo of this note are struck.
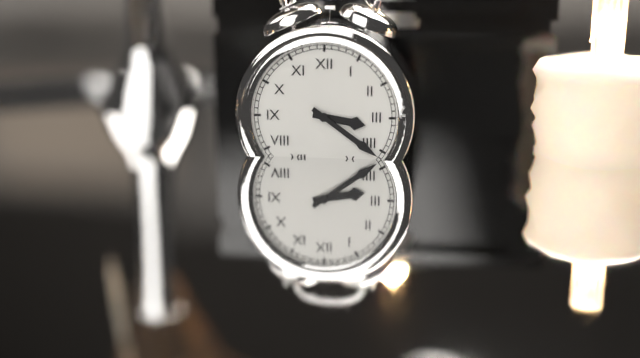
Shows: 3:21
